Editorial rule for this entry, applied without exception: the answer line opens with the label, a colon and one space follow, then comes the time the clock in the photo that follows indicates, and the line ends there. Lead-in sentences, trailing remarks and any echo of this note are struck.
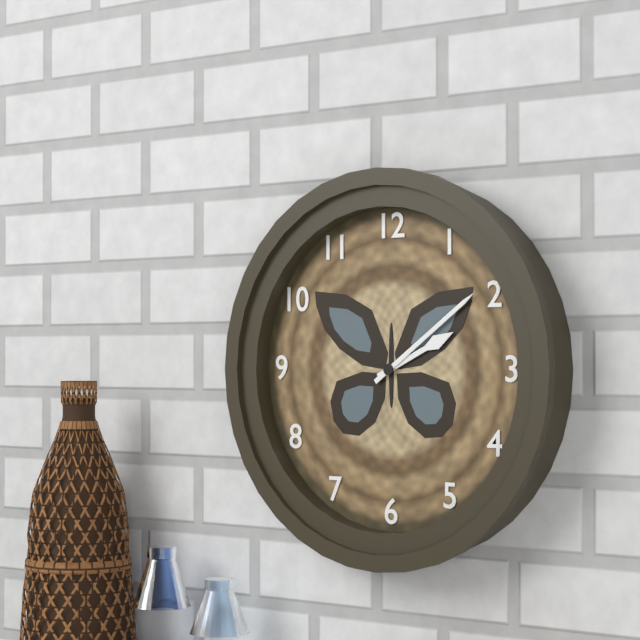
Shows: 2:09
